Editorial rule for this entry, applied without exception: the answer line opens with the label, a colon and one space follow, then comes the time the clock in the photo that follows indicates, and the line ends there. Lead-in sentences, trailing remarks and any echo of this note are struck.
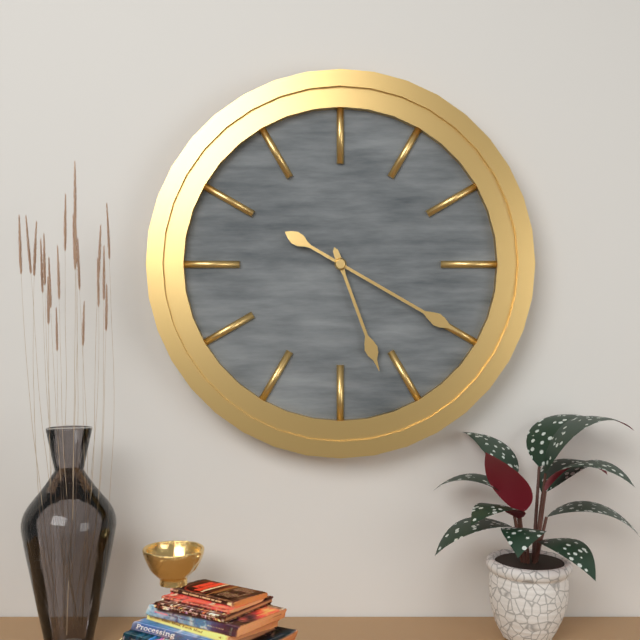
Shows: 5:20
